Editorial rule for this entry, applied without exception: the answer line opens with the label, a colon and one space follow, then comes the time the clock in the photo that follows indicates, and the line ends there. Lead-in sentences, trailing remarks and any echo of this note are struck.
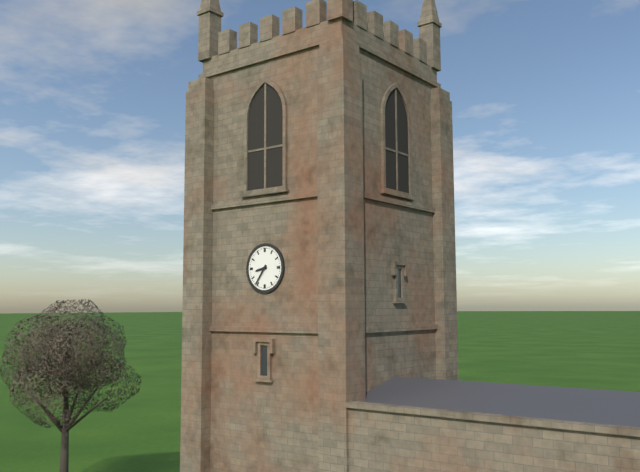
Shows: 8:36
